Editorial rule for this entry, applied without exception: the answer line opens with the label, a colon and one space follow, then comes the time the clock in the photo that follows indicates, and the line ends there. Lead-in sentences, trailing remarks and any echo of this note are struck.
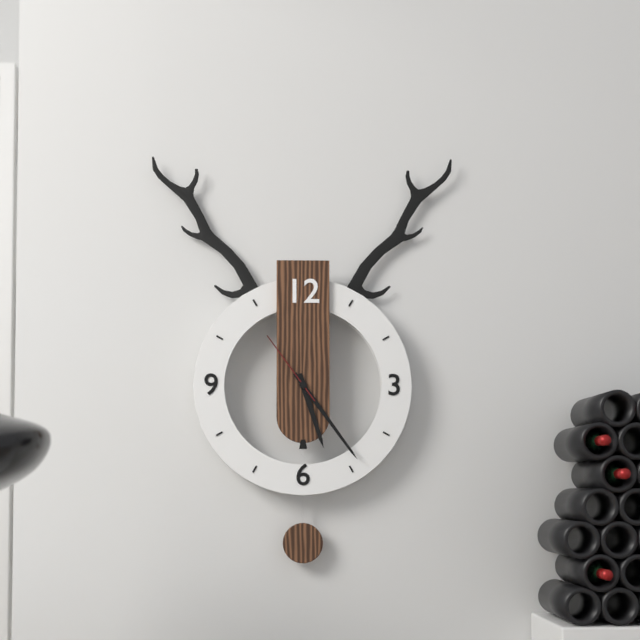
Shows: 5:24:54
